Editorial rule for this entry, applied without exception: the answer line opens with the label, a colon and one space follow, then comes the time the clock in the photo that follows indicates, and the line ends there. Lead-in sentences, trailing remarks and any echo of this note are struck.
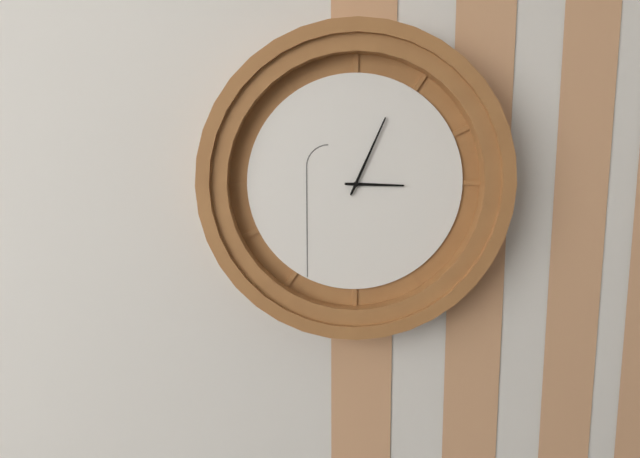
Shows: 3:04
